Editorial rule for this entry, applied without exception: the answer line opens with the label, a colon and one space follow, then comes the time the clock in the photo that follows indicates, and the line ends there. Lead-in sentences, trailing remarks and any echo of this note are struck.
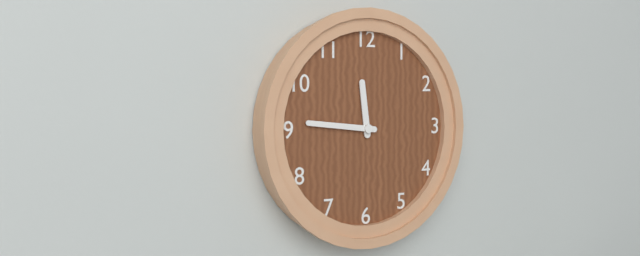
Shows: 11:46
